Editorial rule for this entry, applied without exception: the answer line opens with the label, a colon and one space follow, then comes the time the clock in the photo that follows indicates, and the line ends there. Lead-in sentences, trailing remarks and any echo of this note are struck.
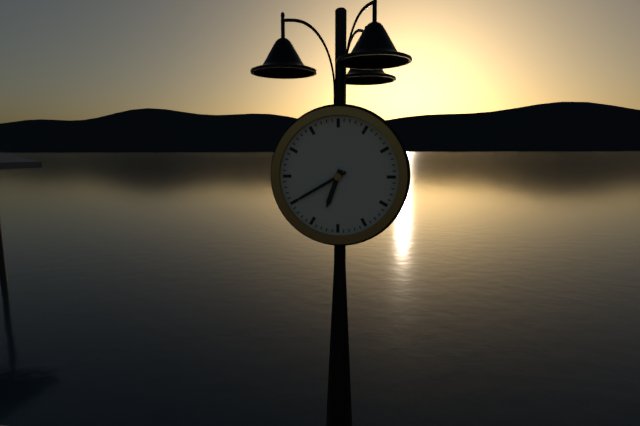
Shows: 6:40
